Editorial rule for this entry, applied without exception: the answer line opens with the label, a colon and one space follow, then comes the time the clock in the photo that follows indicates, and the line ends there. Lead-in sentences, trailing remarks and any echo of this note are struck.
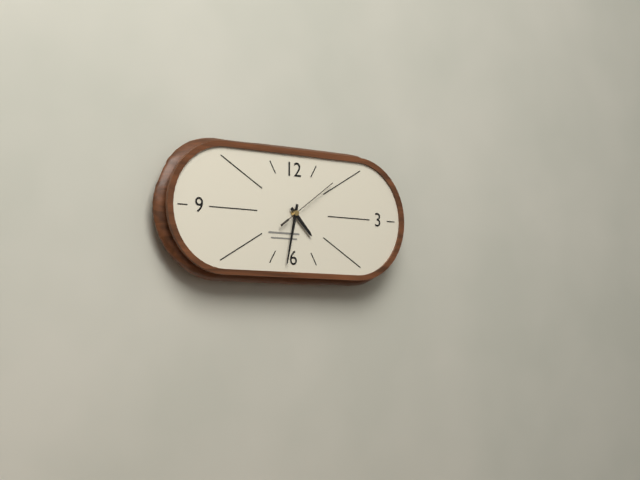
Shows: 4:32:09
